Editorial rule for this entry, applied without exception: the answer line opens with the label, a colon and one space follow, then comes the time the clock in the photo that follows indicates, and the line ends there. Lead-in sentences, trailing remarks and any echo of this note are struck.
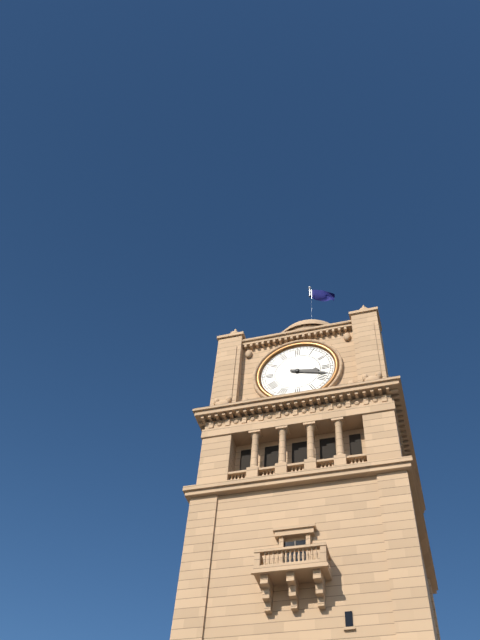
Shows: 3:18
